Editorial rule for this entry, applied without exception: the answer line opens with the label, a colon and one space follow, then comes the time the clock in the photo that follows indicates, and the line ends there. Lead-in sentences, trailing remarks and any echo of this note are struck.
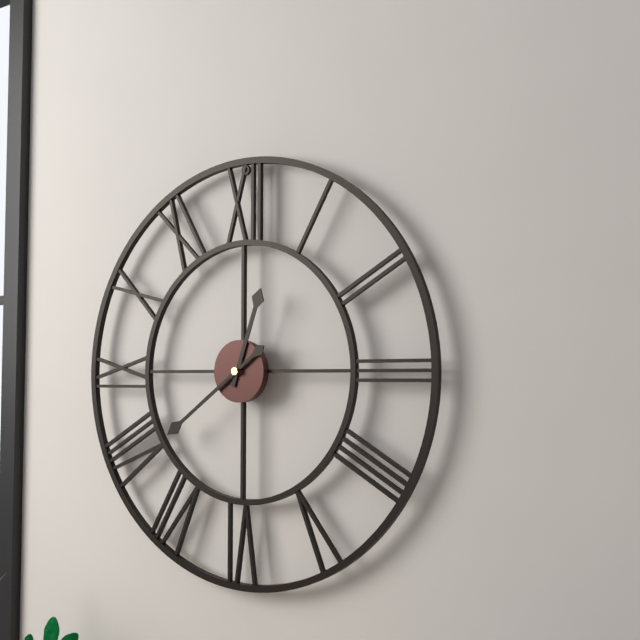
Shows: 12:39
